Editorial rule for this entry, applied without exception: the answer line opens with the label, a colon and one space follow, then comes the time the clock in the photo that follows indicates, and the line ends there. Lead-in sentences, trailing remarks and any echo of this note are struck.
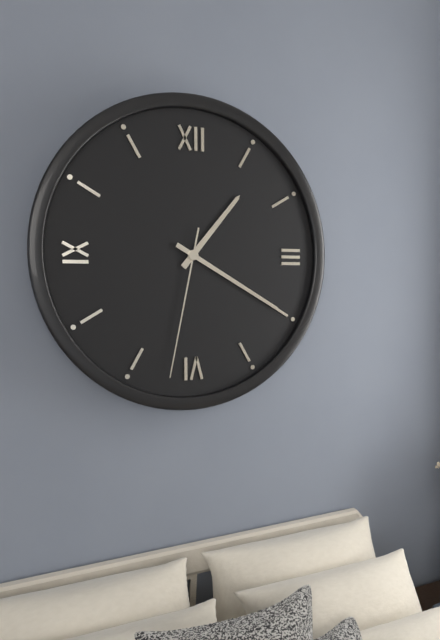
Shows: 1:20:32
